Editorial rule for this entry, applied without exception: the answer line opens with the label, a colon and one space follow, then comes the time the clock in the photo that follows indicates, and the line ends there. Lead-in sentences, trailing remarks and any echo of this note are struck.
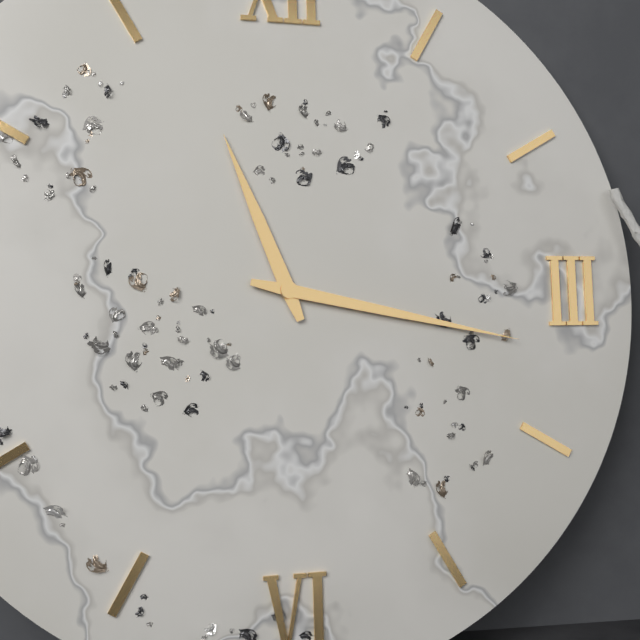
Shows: 11:17
